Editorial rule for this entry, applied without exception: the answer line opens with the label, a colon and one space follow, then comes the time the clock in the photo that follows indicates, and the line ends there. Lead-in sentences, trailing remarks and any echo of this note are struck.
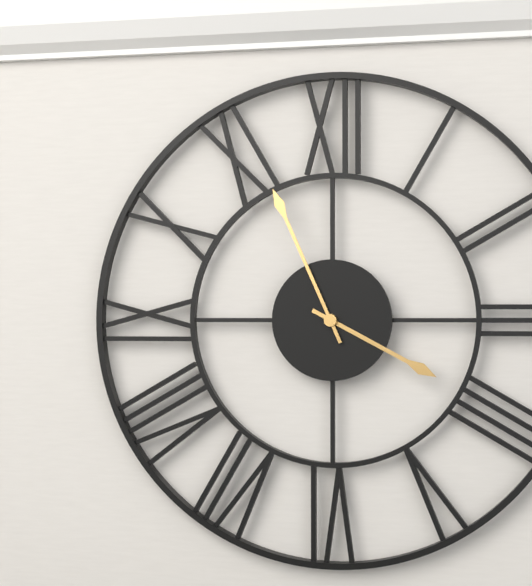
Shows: 3:56
